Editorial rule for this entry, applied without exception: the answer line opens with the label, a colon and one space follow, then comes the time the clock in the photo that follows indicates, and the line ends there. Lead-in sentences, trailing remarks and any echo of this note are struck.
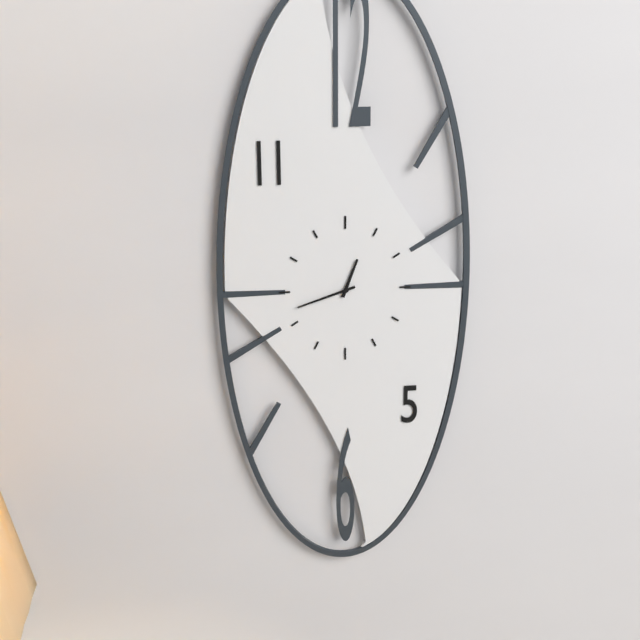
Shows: 12:42
